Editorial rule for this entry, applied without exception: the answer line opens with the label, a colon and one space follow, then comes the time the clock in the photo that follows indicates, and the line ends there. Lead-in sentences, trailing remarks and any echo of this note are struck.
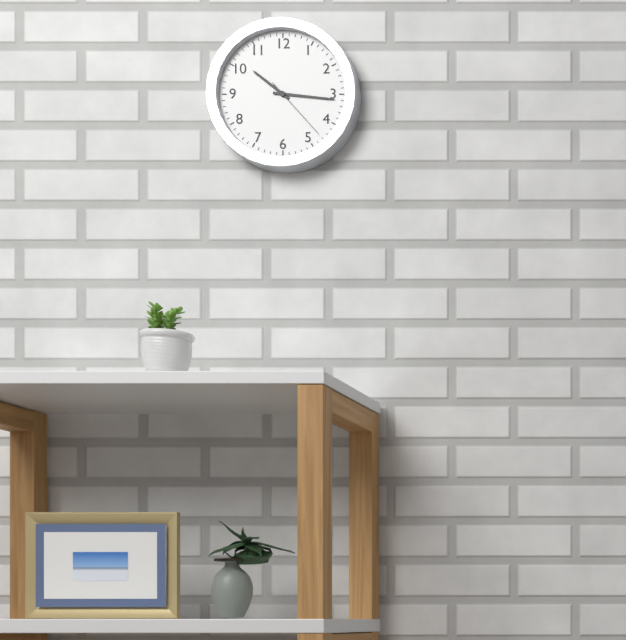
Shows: 10:16:23
